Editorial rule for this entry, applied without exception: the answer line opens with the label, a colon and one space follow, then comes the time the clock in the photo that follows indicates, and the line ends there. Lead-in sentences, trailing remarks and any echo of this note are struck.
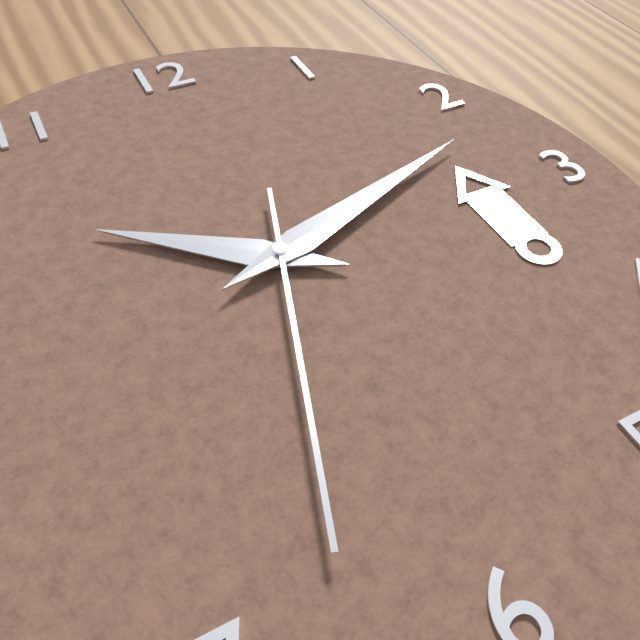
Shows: 10:12:33
